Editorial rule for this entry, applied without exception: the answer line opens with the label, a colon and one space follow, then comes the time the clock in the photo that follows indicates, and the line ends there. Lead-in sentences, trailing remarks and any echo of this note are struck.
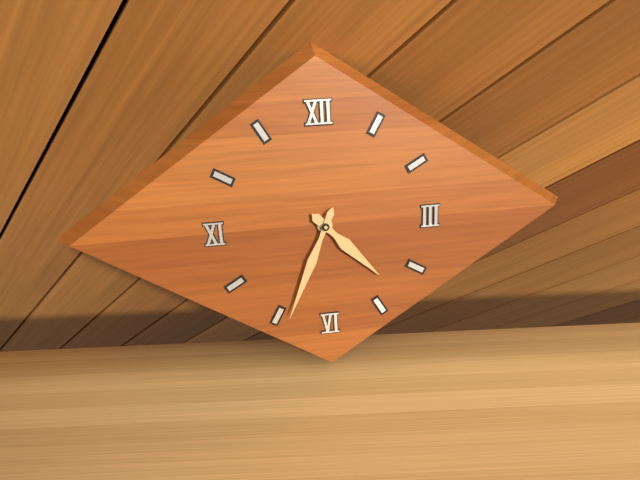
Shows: 4:34
